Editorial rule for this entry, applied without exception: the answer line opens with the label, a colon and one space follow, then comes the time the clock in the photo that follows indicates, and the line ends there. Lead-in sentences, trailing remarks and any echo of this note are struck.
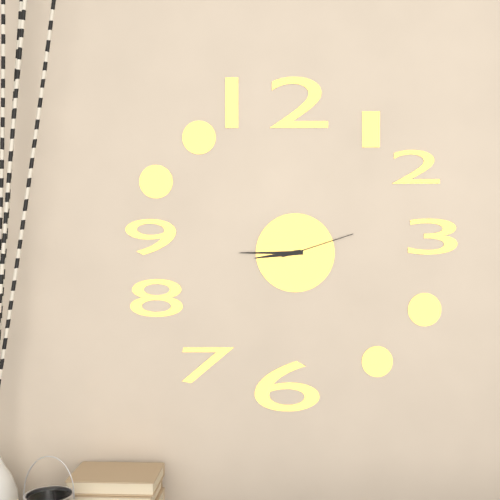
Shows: 8:45:12
